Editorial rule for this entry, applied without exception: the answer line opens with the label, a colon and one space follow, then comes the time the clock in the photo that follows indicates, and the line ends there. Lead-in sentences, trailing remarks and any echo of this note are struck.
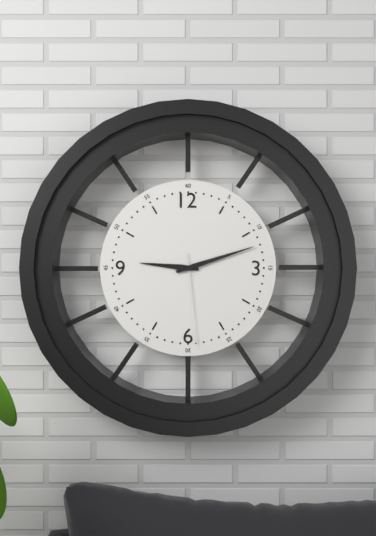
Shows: 9:12:29
